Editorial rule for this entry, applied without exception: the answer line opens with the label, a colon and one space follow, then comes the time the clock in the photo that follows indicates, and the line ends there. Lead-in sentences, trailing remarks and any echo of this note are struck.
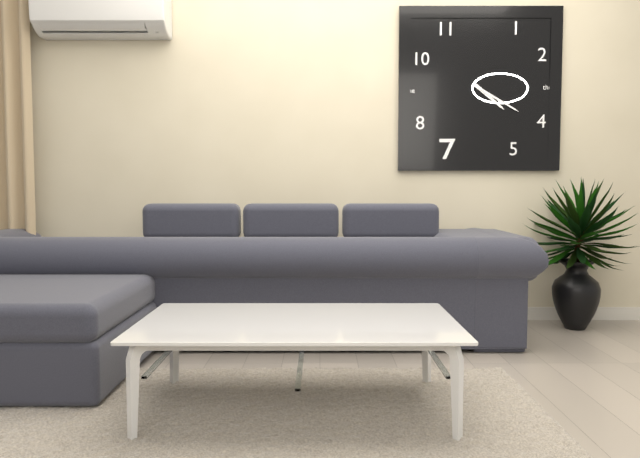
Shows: 4:20
